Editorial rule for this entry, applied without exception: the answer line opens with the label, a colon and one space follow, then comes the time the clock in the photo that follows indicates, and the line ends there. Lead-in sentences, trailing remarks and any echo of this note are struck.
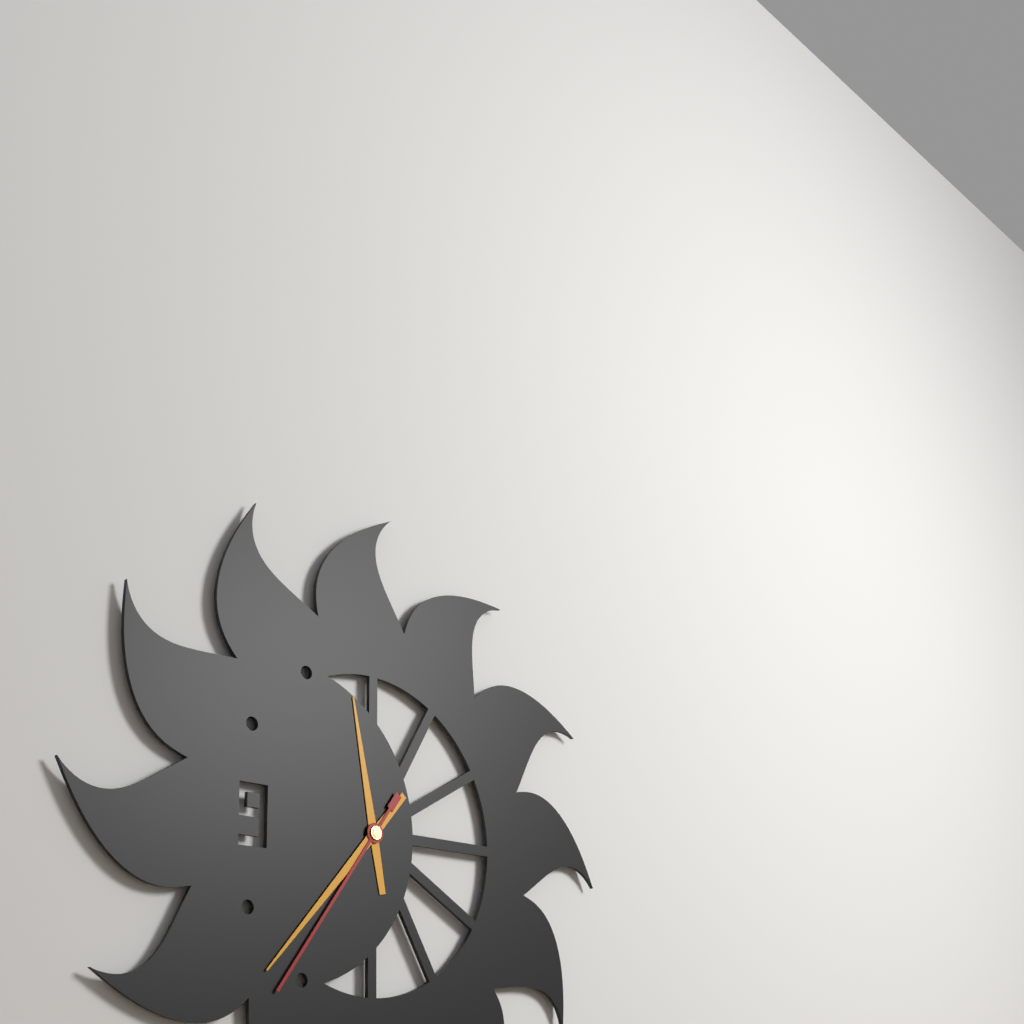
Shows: 11:37:36
